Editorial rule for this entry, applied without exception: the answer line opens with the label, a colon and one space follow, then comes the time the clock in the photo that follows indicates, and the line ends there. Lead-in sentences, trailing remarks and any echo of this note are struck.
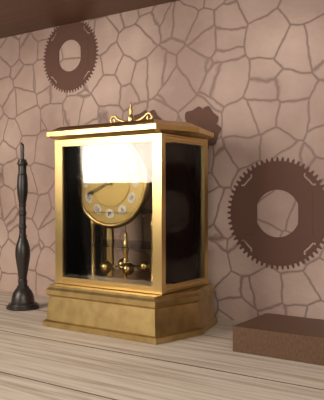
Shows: 10:41
